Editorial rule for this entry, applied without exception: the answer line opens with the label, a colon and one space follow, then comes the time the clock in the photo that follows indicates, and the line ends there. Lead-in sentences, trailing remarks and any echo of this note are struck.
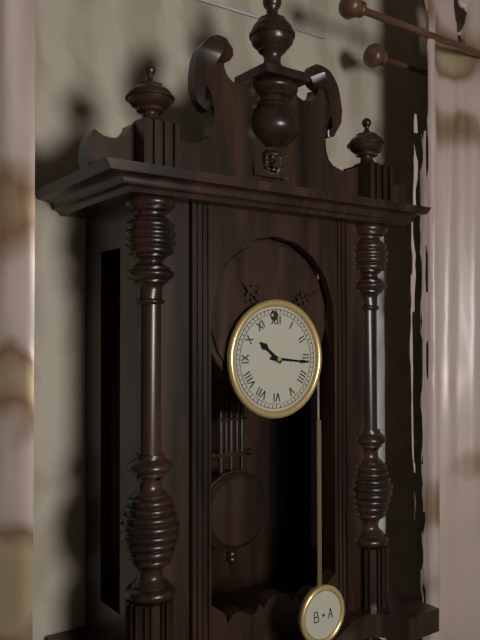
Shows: 10:16
